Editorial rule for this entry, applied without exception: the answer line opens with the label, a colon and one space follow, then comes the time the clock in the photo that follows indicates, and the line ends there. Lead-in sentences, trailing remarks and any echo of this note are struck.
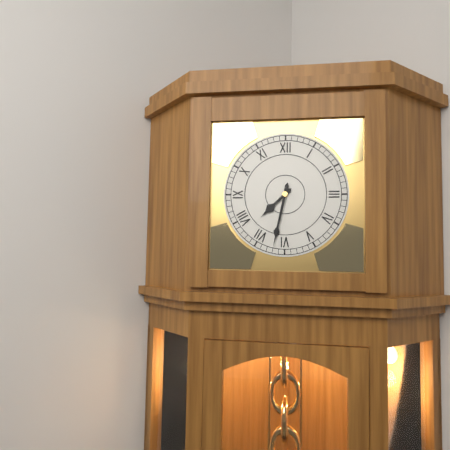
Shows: 7:32
